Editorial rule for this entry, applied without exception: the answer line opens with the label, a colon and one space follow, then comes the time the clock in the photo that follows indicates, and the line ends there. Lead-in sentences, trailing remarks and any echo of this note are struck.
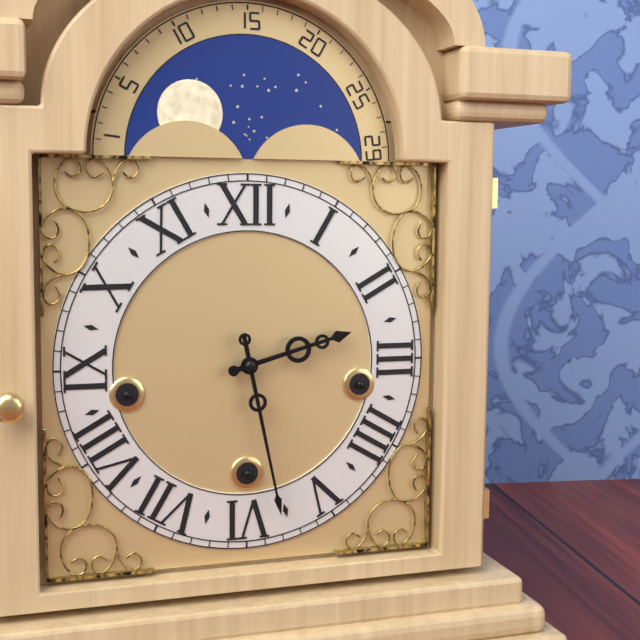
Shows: 2:28
